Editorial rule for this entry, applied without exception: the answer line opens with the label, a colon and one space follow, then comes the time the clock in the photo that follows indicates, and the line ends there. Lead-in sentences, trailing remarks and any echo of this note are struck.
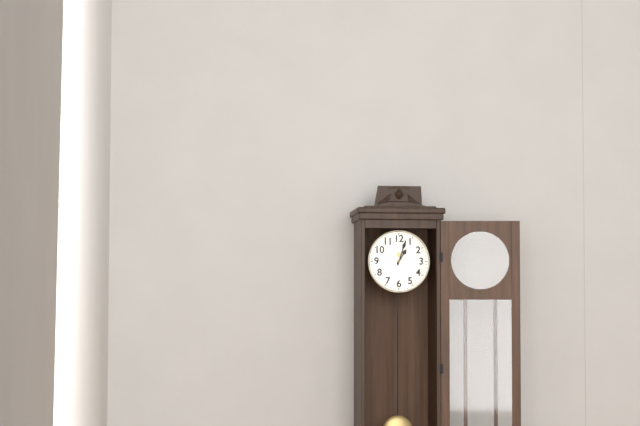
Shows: 1:03
